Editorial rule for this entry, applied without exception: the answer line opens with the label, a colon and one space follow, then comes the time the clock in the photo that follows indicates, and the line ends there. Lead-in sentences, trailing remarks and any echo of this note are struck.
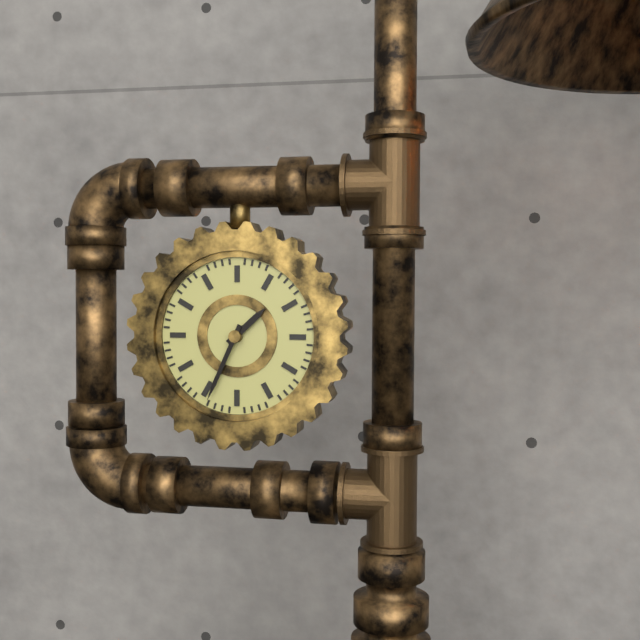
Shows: 1:34
